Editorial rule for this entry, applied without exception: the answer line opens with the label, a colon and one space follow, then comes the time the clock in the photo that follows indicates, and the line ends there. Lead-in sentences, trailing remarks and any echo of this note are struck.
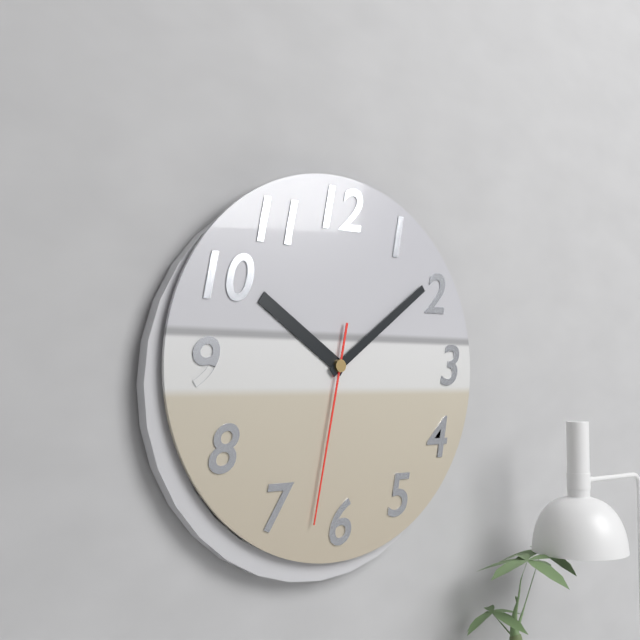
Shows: 10:09:32
